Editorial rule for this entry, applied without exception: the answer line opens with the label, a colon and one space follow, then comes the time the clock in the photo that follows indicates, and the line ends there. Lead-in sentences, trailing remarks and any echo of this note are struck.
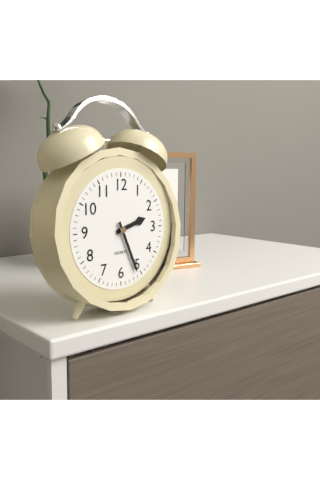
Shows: 2:26
